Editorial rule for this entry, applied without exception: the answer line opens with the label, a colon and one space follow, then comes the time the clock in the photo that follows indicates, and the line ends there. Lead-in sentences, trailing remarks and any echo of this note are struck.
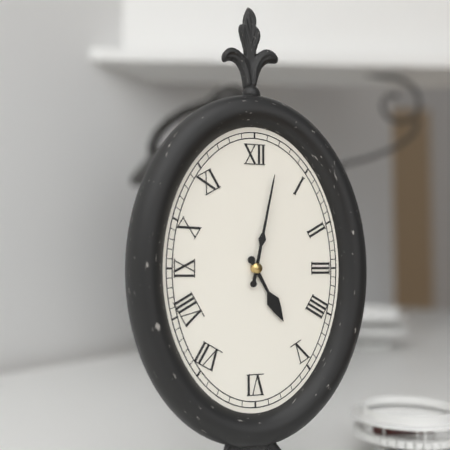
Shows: 5:02
